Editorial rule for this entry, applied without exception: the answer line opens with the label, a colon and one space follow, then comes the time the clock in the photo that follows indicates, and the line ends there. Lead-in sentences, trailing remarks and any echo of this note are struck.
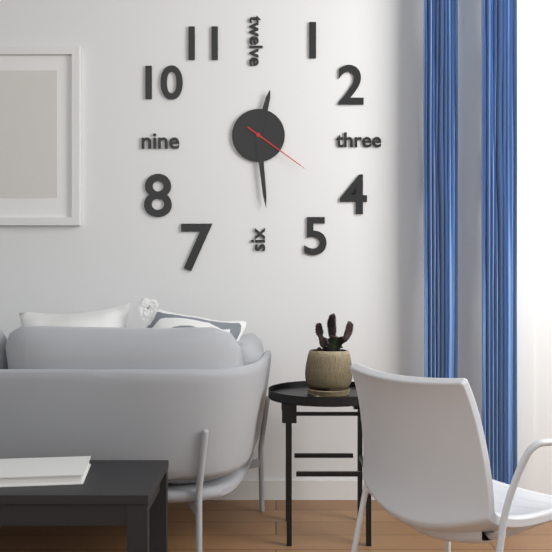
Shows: 12:29:21
